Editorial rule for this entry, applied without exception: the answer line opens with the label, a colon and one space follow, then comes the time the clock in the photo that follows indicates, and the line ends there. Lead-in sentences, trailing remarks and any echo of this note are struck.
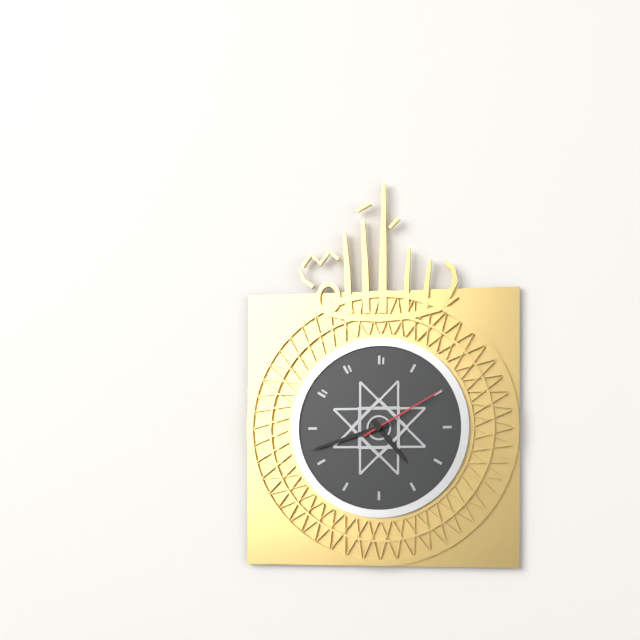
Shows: 4:42:10
